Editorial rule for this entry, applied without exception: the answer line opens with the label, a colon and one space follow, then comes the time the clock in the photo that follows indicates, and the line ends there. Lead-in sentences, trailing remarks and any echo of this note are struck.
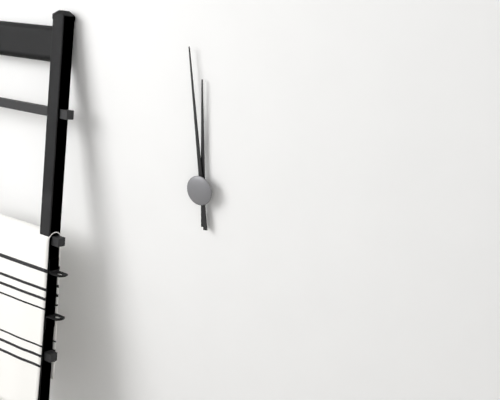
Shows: 11:59
